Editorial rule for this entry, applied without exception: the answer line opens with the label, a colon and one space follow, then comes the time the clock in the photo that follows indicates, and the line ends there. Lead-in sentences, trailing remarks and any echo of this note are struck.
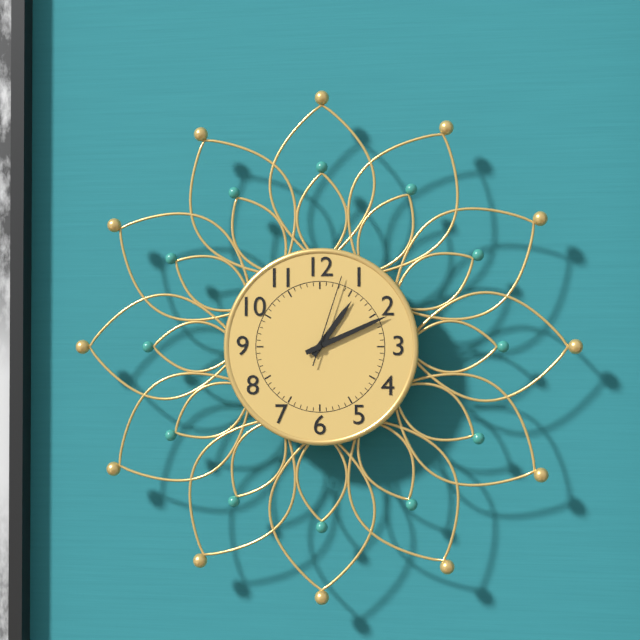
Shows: 1:11:03
